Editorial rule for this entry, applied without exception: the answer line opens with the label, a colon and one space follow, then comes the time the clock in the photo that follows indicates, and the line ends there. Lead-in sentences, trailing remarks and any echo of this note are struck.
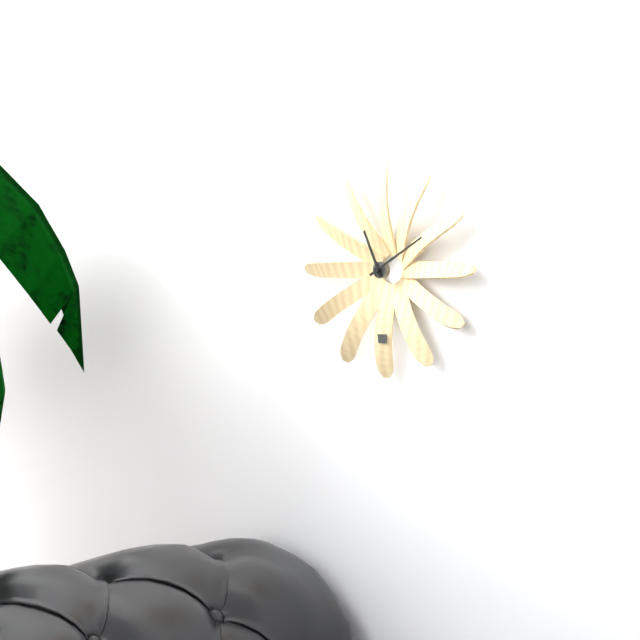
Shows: 11:10
